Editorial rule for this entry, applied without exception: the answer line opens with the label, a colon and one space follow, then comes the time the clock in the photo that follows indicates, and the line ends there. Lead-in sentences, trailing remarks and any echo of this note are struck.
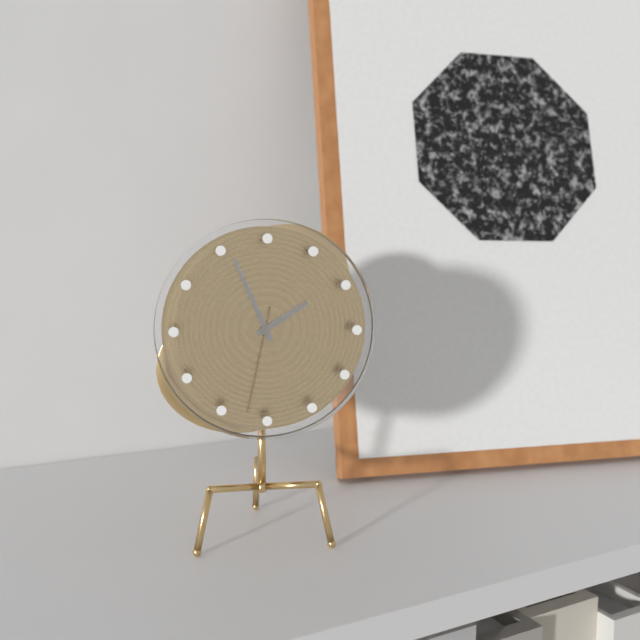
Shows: 1:56:32
